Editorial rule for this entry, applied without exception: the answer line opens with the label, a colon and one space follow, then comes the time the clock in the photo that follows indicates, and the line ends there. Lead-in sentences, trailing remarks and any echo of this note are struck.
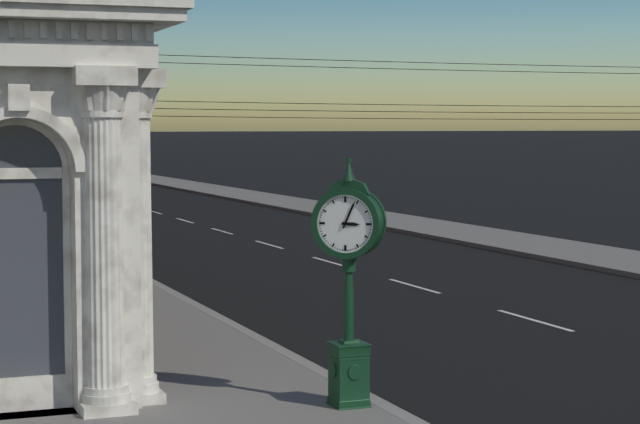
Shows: 3:04
